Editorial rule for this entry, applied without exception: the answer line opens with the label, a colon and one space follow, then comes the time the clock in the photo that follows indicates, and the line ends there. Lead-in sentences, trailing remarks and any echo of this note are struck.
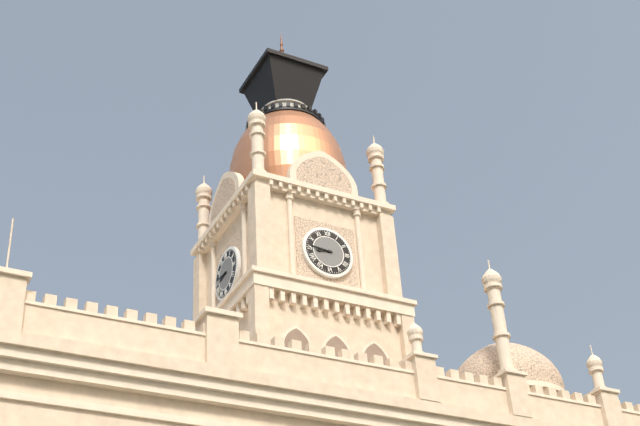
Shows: 8:46
